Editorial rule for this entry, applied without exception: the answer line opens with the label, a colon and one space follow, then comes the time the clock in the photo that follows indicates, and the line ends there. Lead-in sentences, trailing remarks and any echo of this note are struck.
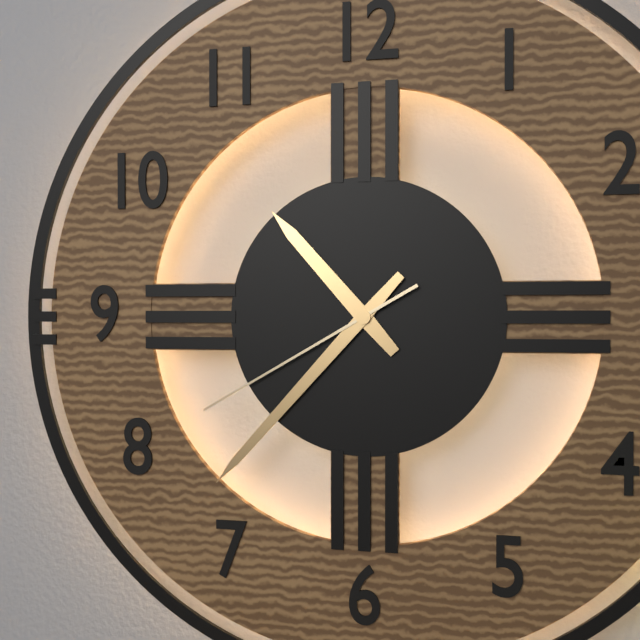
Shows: 10:37:40
